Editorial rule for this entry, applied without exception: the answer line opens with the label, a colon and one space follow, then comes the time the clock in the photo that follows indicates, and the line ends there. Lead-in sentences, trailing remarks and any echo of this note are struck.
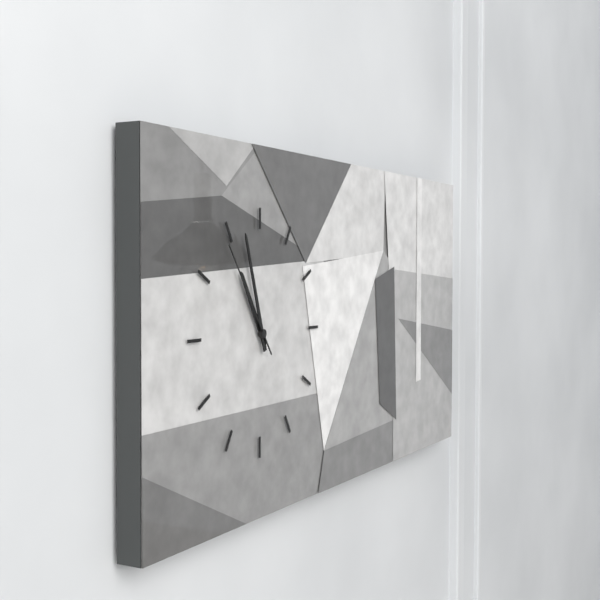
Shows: 10:57:54
